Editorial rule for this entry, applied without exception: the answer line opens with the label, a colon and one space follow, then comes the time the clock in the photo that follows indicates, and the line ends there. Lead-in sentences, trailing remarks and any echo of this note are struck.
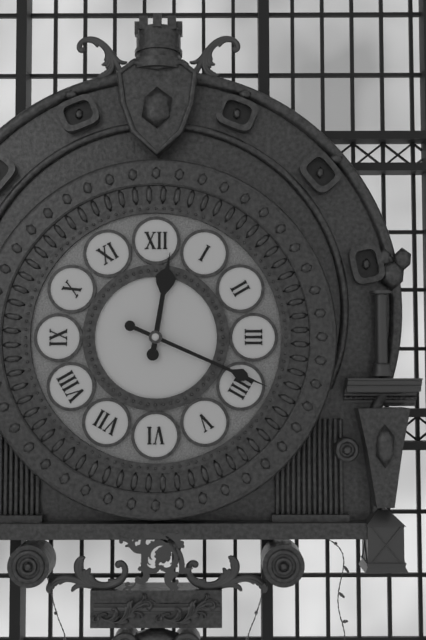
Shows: 12:19
